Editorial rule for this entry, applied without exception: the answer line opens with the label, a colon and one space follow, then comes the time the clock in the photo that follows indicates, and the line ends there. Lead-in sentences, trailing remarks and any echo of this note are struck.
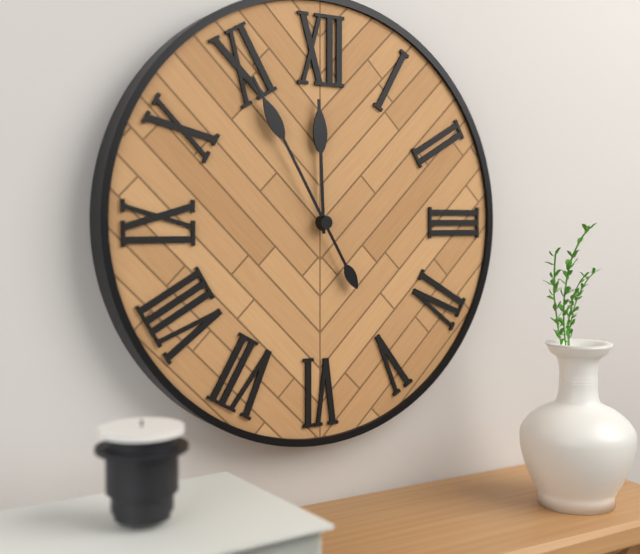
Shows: 11:55
